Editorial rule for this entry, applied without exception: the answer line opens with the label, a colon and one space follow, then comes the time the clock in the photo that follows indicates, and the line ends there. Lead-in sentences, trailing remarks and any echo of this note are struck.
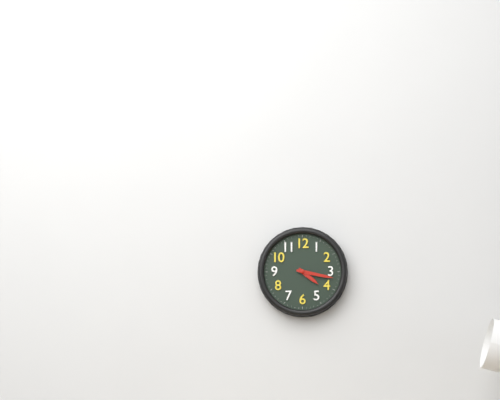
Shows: 4:17
